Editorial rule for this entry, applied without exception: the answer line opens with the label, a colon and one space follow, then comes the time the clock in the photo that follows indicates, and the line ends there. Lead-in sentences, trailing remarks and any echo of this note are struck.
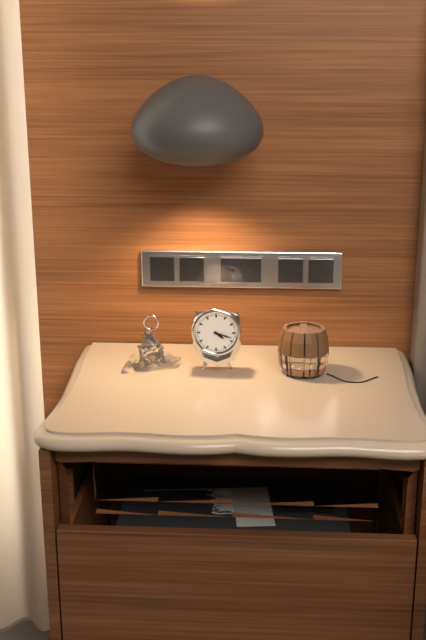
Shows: 4:18
